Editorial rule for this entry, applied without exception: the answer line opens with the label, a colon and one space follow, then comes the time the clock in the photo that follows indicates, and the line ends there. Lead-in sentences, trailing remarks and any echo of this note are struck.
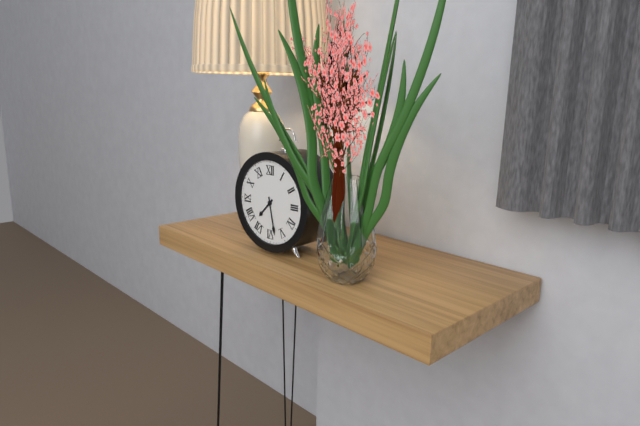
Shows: 7:28
